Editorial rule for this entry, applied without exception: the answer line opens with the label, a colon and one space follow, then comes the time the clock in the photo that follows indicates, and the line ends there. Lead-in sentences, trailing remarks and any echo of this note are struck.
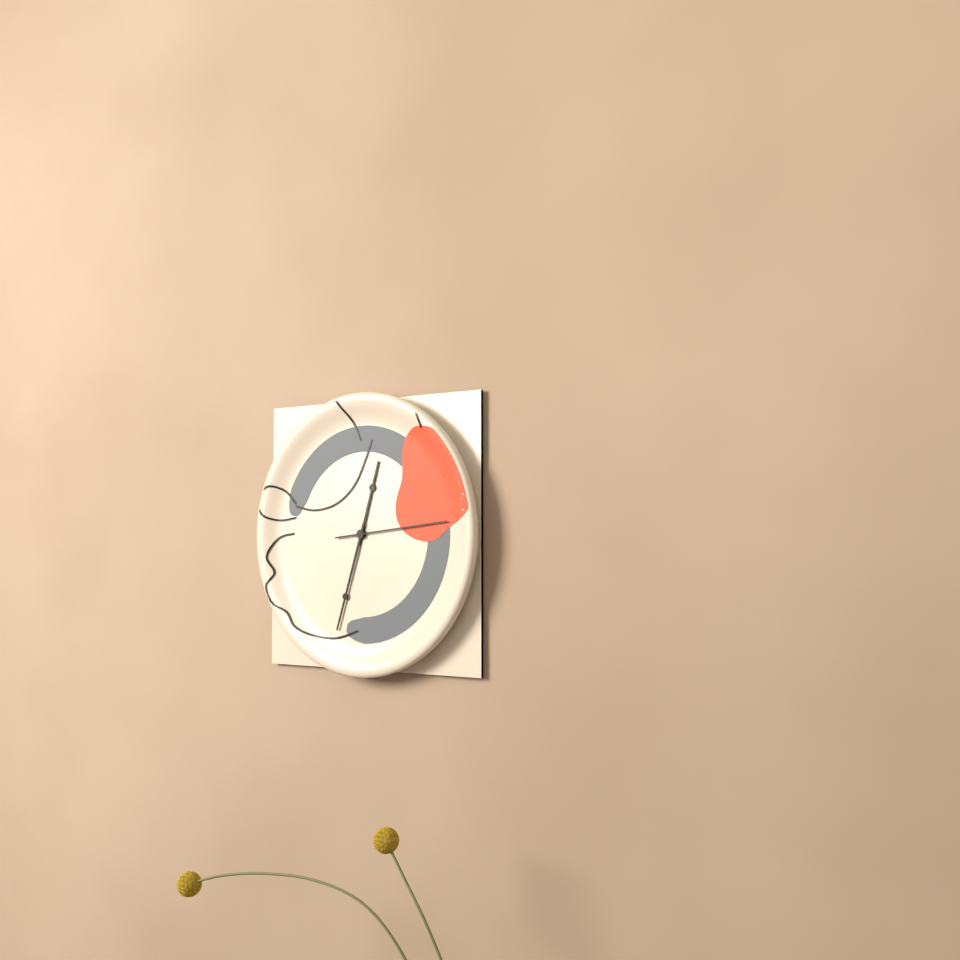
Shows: 12:33:14
